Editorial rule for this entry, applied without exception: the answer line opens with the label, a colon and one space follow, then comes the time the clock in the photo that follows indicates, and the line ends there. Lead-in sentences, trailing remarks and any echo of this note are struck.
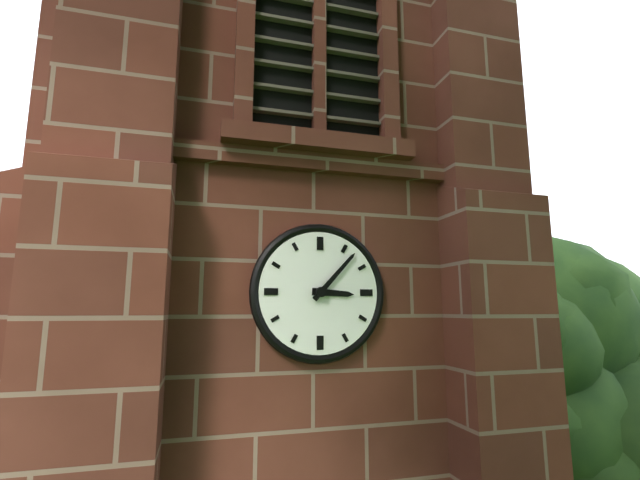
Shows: 3:07
